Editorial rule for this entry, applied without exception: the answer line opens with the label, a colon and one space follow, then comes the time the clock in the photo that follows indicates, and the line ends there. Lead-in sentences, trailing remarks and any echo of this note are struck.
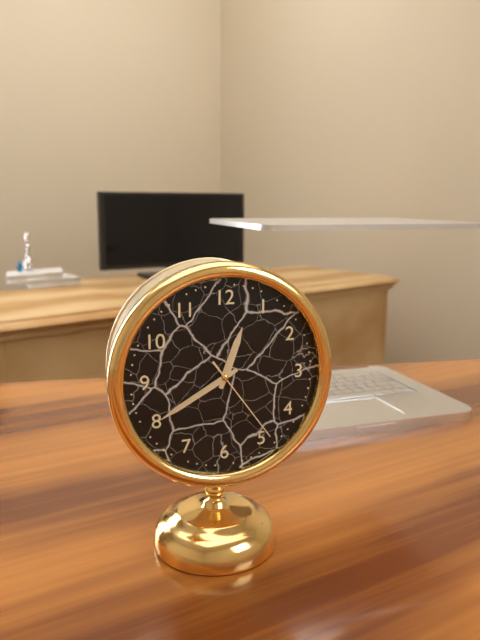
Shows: 12:40:24
